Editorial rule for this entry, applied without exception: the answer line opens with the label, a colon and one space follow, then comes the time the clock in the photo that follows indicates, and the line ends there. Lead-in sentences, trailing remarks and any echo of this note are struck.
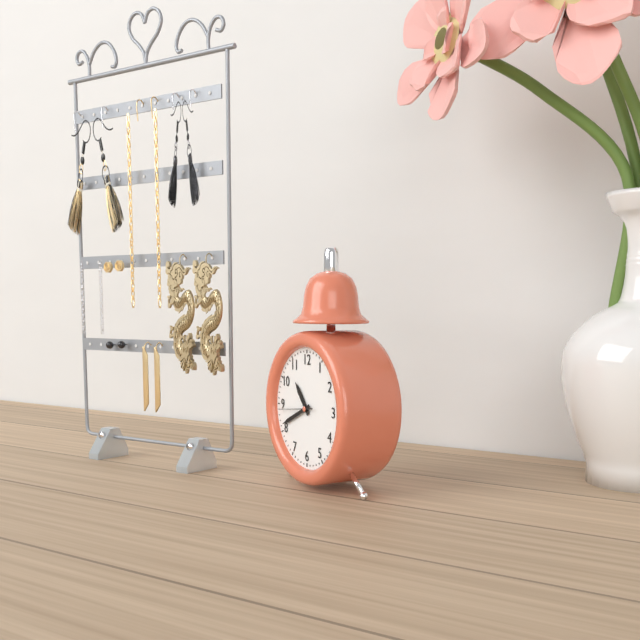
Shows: 10:41
